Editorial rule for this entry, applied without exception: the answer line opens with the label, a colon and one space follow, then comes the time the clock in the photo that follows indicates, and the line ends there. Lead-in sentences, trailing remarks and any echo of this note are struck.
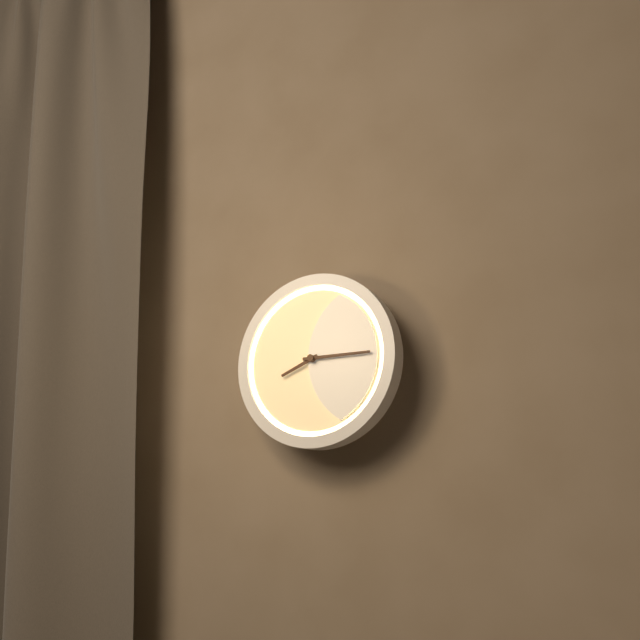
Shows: 8:15
